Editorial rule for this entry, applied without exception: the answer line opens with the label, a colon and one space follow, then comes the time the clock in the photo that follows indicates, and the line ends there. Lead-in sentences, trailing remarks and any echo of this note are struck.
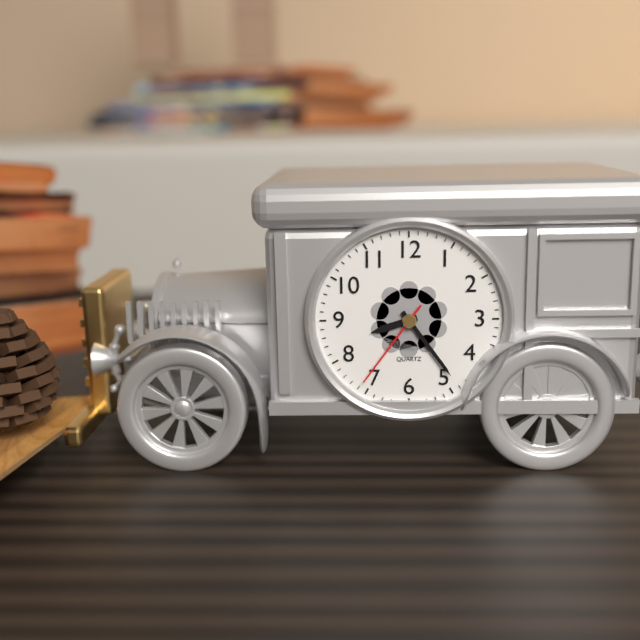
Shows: 8:24:36
